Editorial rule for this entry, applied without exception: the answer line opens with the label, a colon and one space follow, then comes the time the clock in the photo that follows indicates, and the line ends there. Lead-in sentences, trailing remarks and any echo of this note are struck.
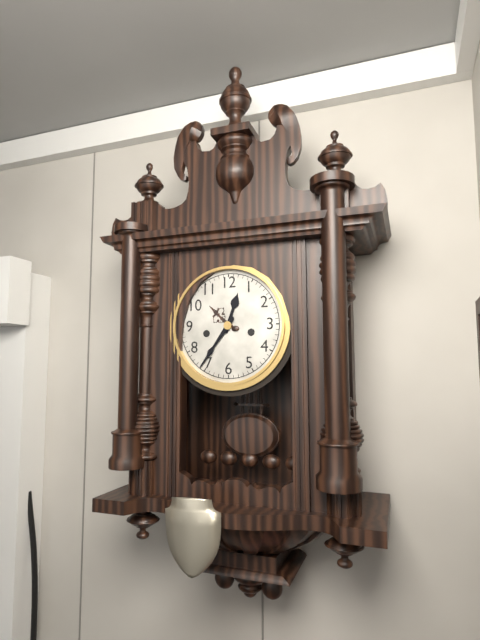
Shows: 12:36
